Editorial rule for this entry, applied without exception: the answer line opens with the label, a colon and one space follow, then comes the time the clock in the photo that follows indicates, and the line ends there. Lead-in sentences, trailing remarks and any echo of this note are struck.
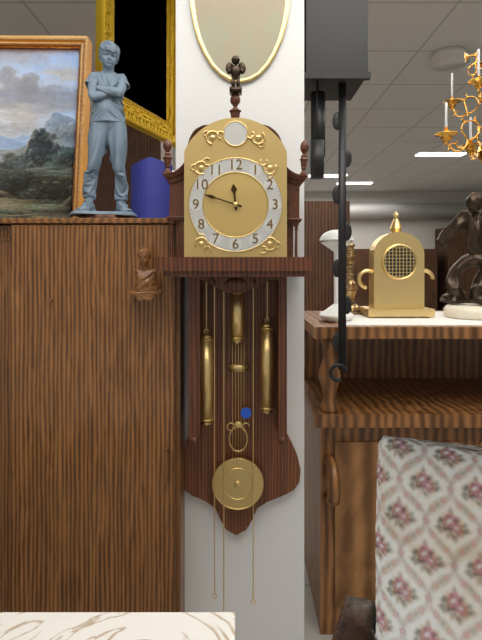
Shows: 11:48
